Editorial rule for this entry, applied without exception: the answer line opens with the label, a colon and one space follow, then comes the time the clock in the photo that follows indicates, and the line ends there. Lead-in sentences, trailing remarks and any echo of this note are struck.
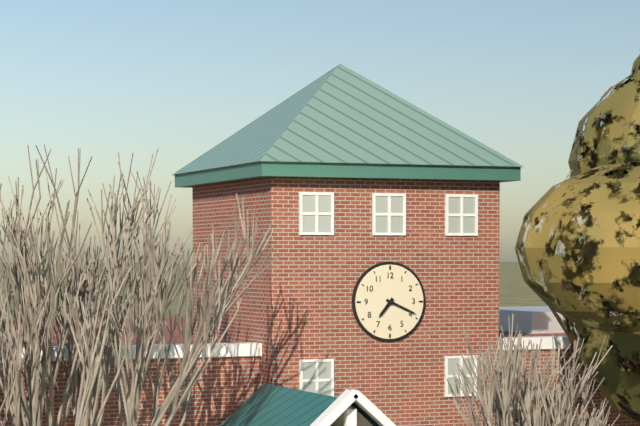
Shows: 7:19
